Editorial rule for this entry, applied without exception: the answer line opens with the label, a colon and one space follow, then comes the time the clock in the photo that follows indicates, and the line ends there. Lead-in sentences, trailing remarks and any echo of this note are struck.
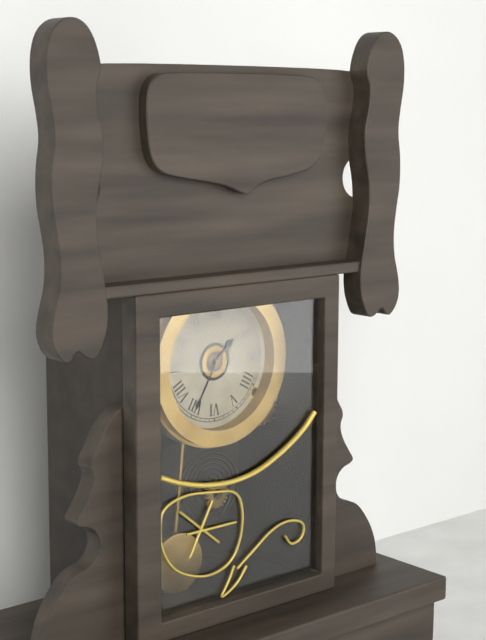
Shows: 1:35
